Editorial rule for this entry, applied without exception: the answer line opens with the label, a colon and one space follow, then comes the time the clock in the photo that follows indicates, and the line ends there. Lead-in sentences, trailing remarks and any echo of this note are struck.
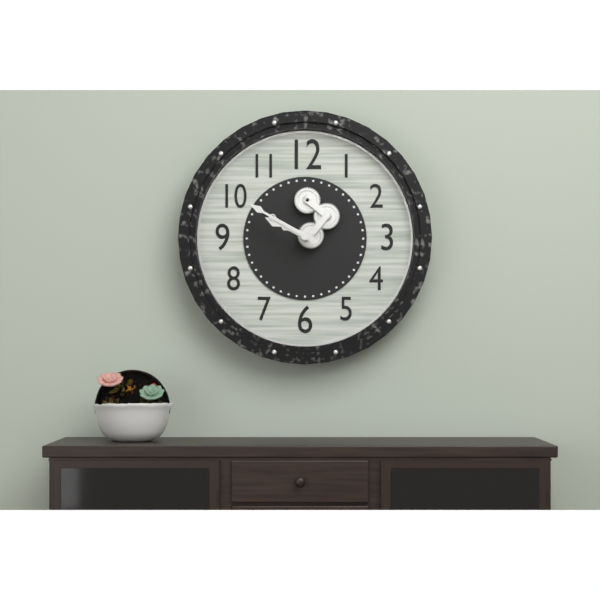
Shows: 9:50
